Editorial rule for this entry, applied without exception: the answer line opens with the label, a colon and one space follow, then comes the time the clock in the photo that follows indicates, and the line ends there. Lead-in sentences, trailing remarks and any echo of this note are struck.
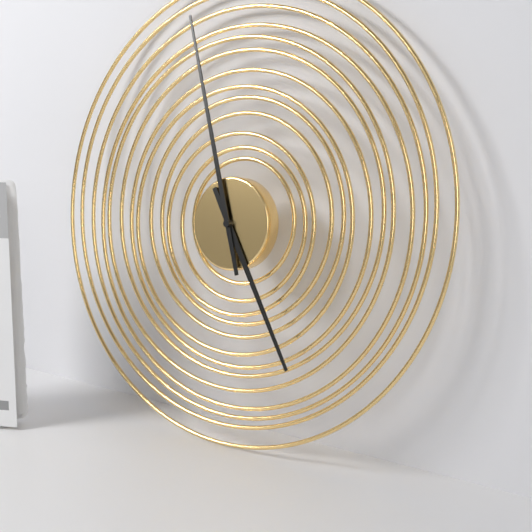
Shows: 4:57
